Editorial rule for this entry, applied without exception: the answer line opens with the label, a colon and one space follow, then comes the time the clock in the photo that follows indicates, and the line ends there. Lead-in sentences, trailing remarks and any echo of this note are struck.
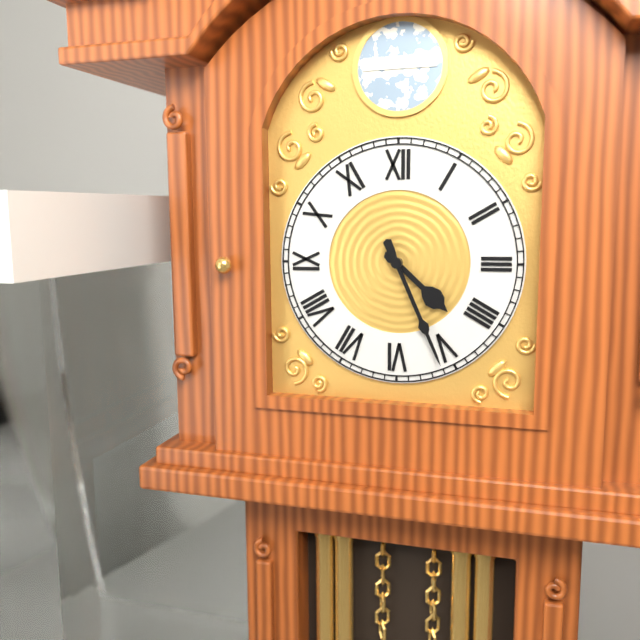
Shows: 4:26
